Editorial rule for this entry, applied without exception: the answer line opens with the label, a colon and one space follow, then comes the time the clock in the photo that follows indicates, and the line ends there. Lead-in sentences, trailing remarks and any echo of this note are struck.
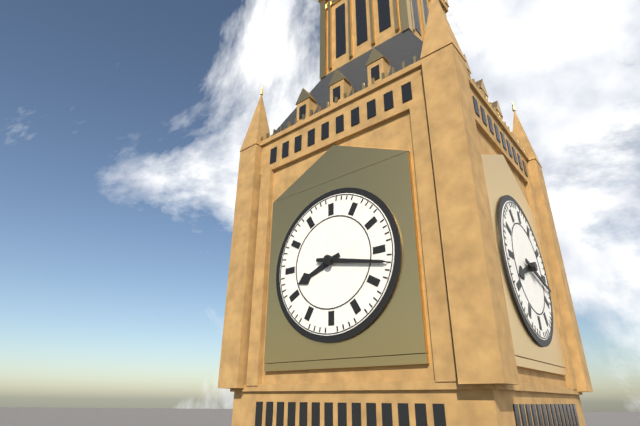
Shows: 8:17
